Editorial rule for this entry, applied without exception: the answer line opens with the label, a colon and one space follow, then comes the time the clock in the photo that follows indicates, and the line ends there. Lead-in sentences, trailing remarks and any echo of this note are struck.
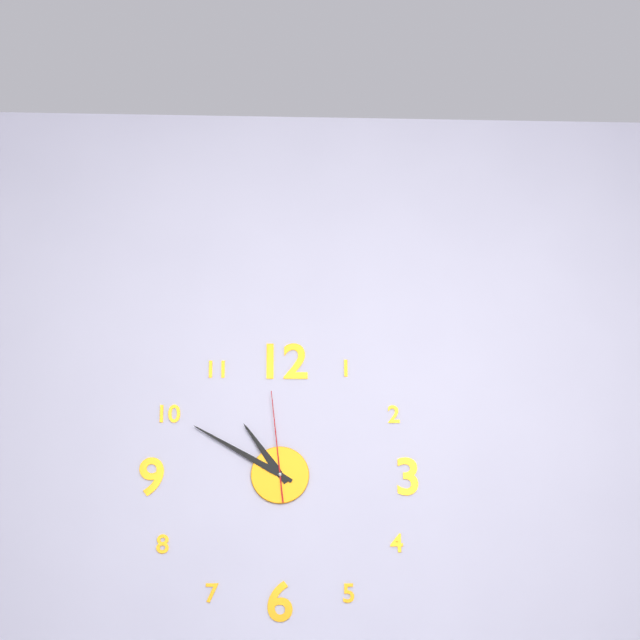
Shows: 10:50:59
